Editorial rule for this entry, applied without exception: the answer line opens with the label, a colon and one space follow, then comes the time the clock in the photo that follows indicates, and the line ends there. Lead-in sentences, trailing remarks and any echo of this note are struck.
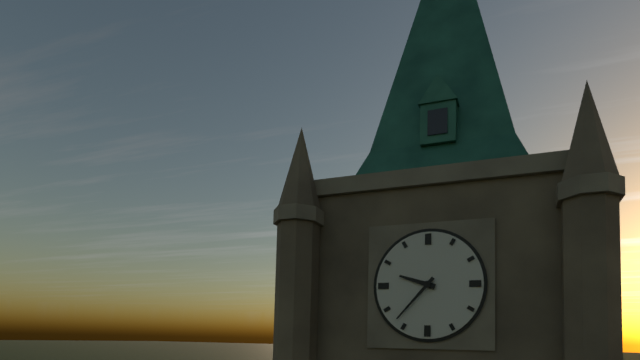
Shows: 9:37
